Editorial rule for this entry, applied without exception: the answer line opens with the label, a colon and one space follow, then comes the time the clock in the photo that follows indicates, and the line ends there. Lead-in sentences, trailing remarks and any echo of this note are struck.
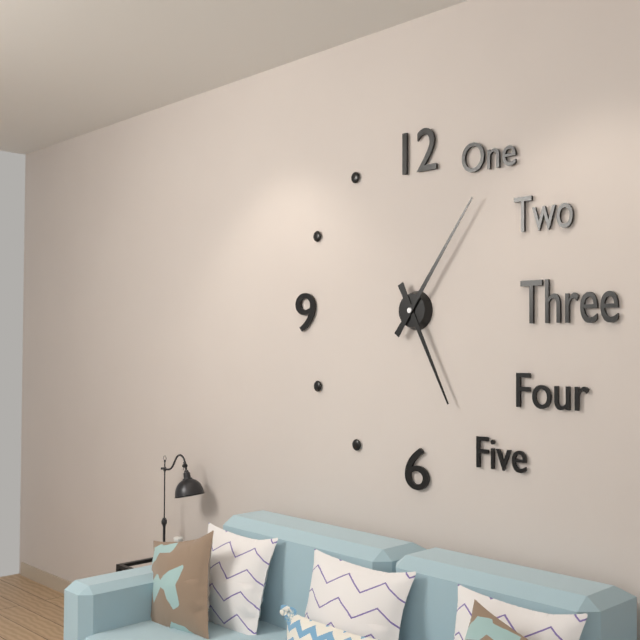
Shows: 5:06
